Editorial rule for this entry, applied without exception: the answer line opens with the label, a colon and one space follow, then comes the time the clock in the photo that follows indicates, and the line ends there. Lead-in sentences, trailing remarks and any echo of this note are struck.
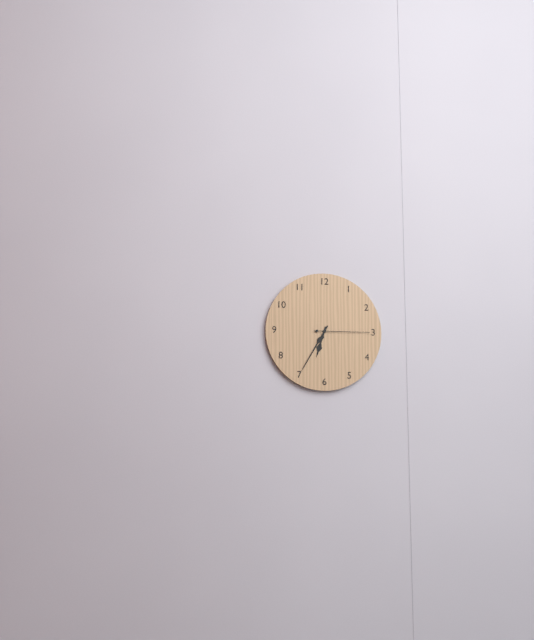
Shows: 6:35:15
